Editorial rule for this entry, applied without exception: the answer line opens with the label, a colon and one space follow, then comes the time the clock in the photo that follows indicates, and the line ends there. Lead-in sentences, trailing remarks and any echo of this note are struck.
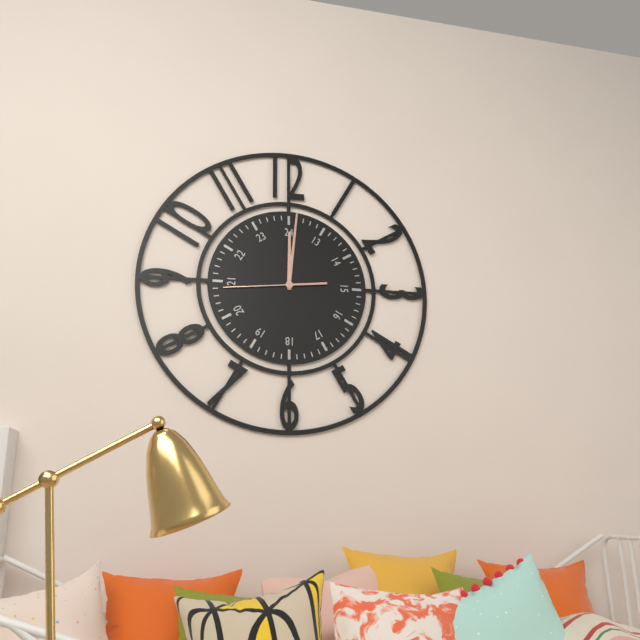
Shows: 12:01:44
